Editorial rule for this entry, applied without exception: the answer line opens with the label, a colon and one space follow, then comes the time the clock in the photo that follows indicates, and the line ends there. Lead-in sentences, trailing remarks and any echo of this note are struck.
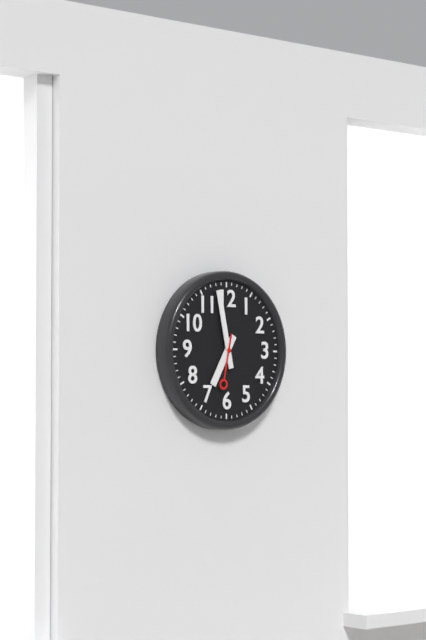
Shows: 6:58:32
